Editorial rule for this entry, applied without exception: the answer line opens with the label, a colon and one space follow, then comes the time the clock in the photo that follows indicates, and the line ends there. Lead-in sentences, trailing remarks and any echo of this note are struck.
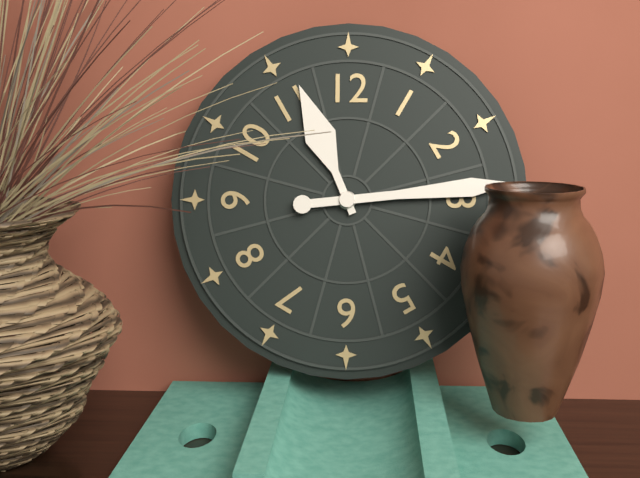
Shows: 11:14
